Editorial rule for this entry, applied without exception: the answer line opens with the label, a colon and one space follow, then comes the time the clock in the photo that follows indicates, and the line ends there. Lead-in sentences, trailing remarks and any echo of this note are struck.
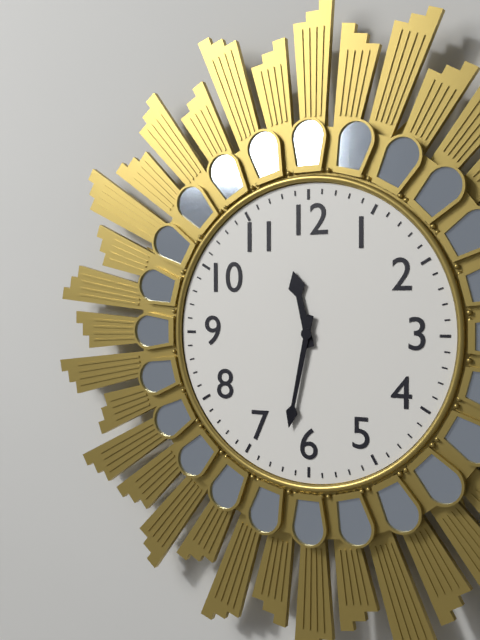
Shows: 11:32
